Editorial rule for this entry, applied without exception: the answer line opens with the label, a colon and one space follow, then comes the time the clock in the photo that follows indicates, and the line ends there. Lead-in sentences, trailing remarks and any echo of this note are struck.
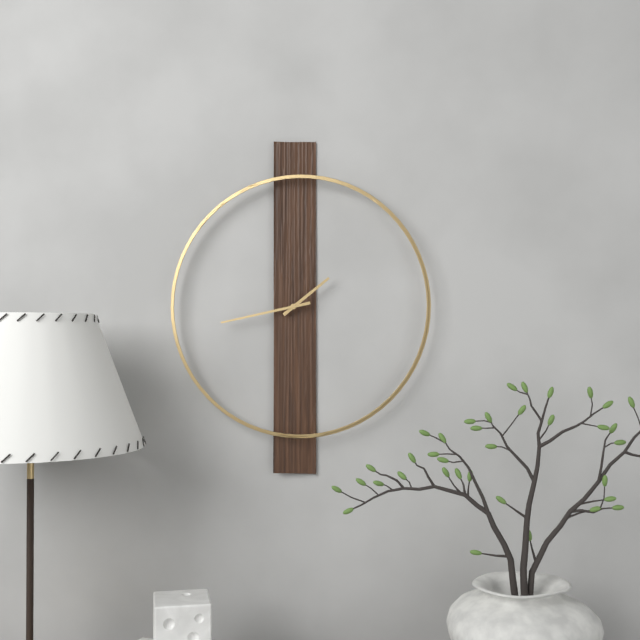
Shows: 1:43
